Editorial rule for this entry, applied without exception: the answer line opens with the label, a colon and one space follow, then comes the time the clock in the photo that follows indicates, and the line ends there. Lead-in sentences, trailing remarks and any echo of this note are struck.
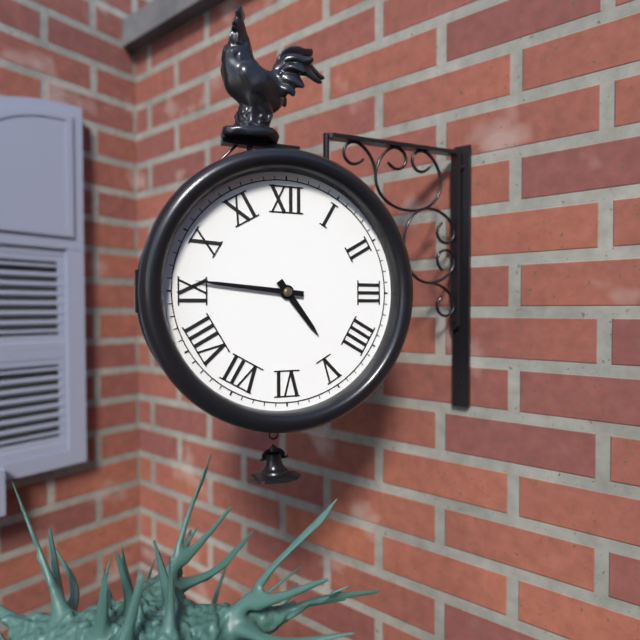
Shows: 4:46
